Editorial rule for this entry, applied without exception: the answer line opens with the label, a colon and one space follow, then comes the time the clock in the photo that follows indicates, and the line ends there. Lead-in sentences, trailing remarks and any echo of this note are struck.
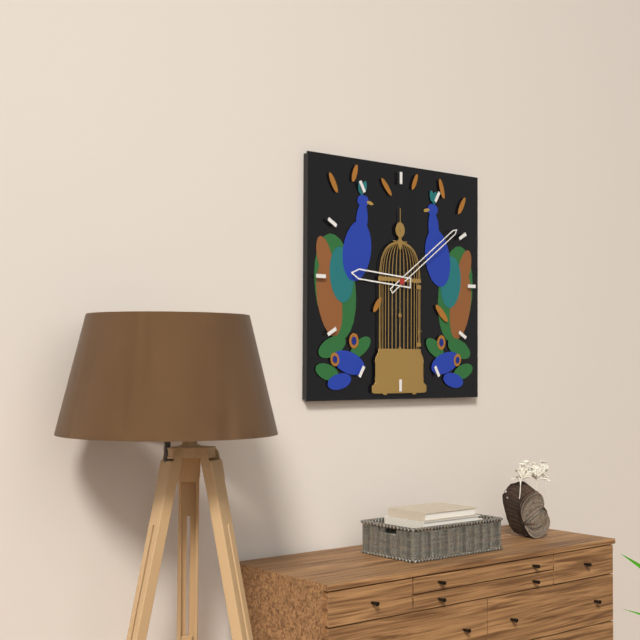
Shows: 9:09
